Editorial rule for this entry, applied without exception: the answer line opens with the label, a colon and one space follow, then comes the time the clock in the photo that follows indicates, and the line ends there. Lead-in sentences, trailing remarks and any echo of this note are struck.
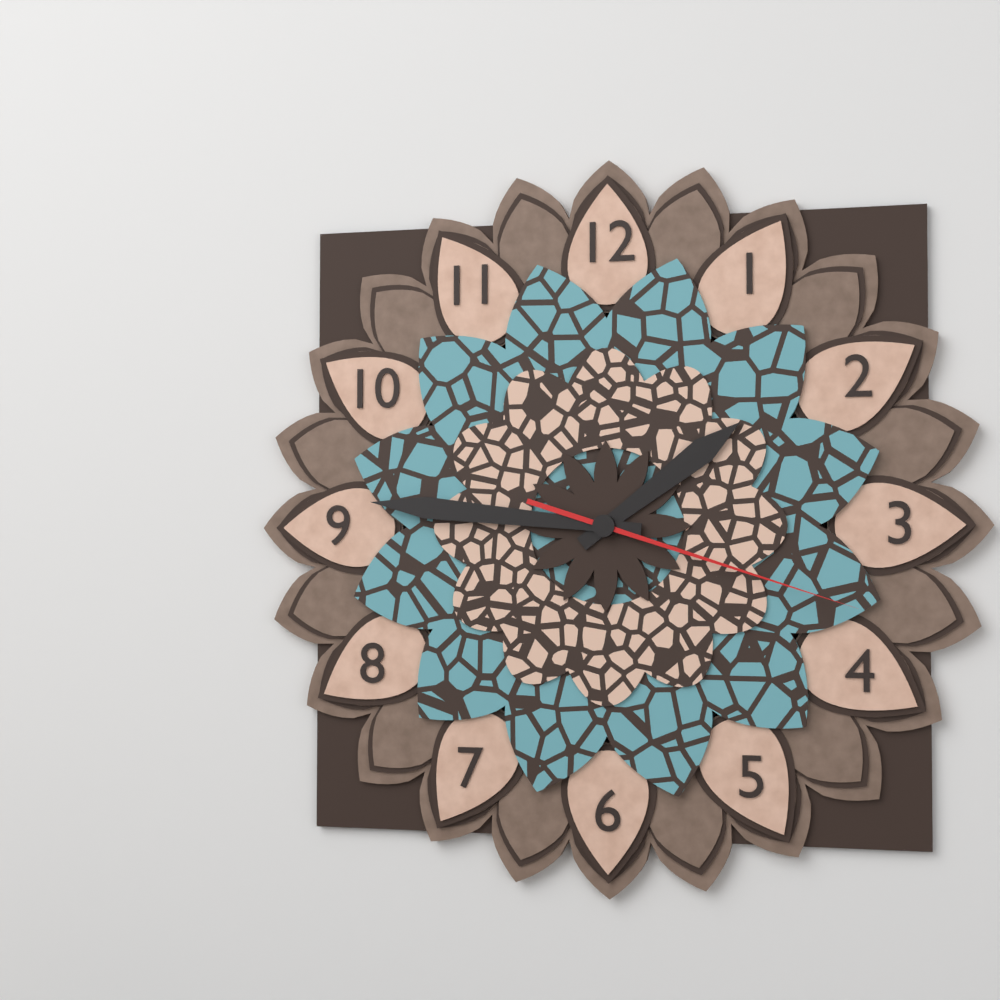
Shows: 1:46:18
